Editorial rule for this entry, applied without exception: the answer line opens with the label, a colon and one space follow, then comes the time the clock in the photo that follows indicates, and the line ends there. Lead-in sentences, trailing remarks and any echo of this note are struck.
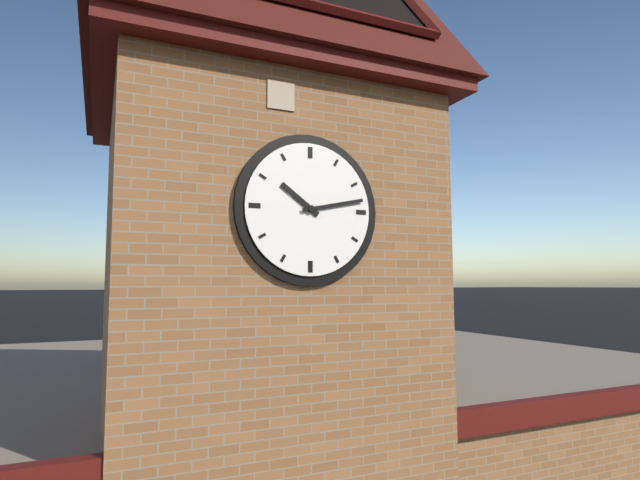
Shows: 10:13
